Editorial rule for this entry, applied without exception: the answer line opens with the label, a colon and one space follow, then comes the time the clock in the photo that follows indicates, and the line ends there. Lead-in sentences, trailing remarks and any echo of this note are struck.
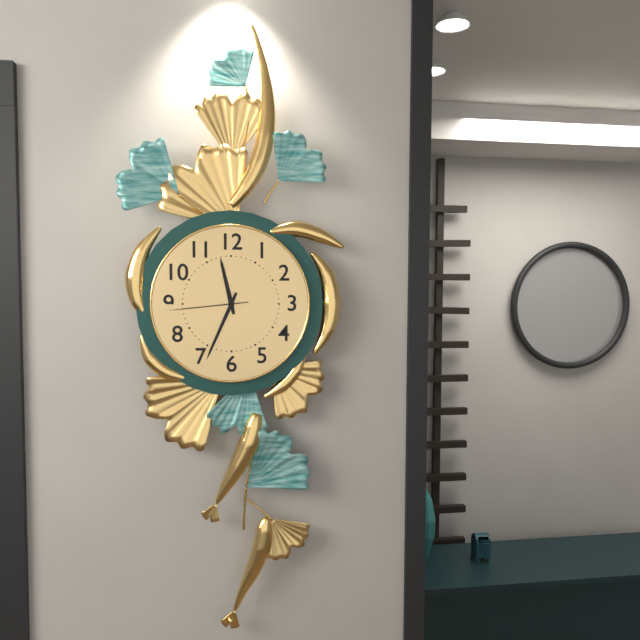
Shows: 11:34:44
